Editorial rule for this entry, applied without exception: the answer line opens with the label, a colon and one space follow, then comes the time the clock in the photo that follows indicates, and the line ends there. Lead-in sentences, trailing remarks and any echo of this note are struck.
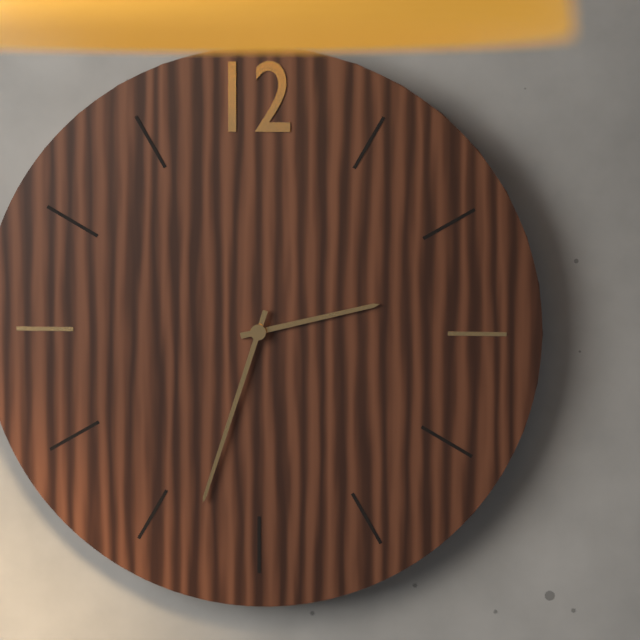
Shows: 2:33
